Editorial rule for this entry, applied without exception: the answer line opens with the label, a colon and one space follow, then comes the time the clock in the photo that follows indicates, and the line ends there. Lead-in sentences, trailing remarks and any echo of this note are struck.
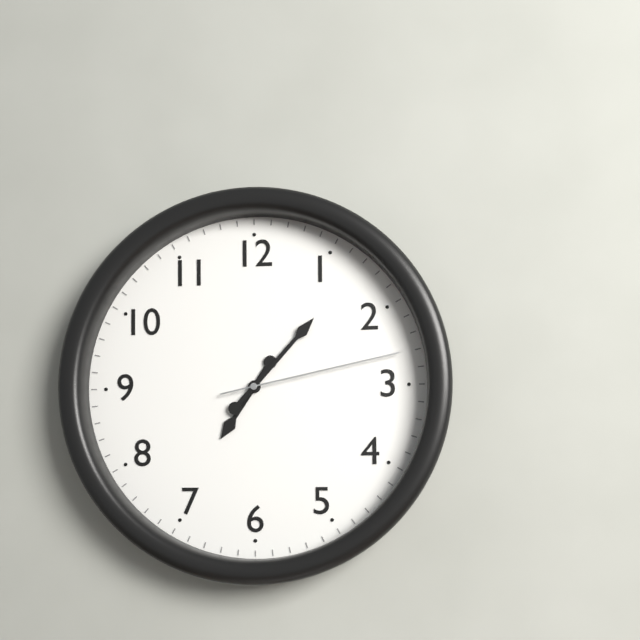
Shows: 7:07:13
